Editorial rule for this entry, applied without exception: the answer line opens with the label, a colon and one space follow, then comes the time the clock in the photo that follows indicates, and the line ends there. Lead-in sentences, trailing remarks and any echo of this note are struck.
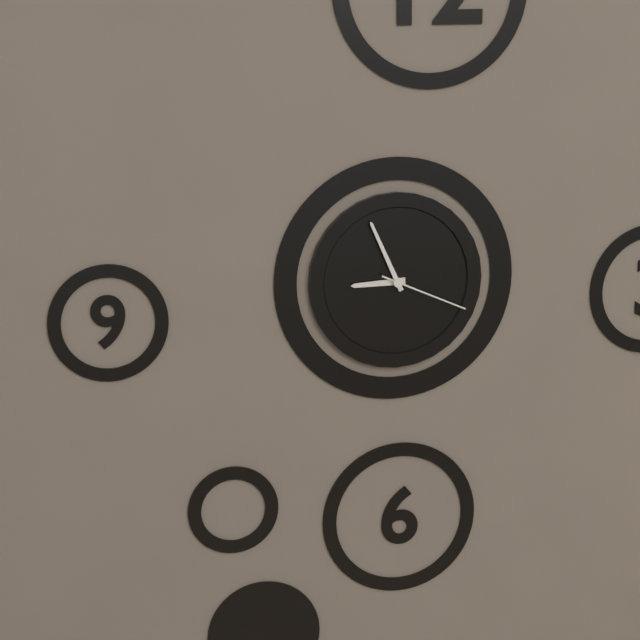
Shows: 8:56:19
